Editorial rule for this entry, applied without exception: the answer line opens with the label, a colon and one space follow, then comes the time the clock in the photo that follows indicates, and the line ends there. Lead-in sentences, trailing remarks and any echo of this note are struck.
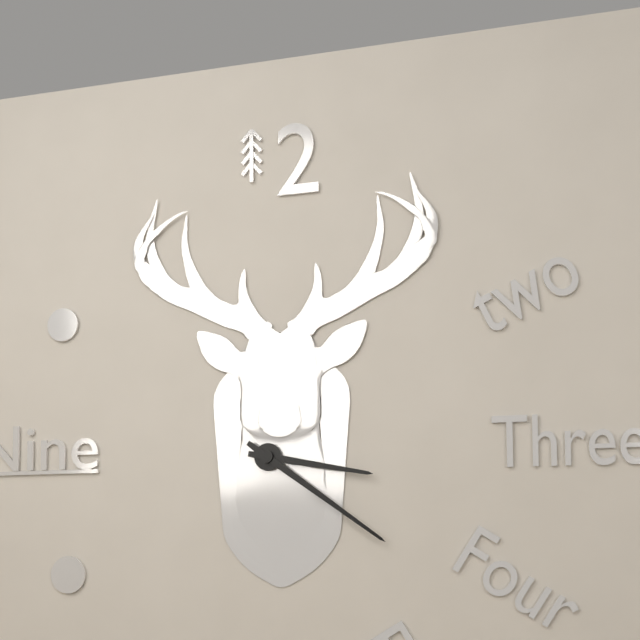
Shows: 3:21
